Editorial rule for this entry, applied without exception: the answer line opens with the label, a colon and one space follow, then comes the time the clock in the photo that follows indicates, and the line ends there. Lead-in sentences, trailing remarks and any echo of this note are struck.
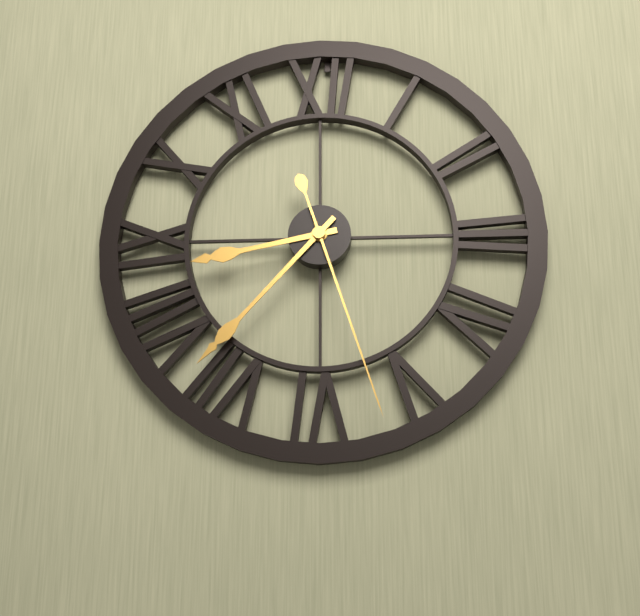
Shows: 8:37:27
